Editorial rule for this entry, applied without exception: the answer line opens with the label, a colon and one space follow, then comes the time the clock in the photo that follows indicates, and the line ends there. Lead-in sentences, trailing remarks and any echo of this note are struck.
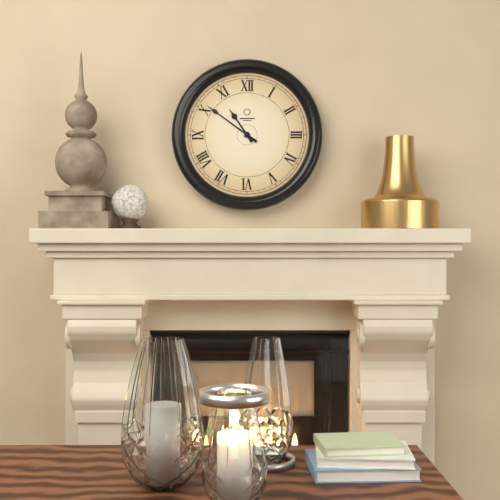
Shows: 10:51
